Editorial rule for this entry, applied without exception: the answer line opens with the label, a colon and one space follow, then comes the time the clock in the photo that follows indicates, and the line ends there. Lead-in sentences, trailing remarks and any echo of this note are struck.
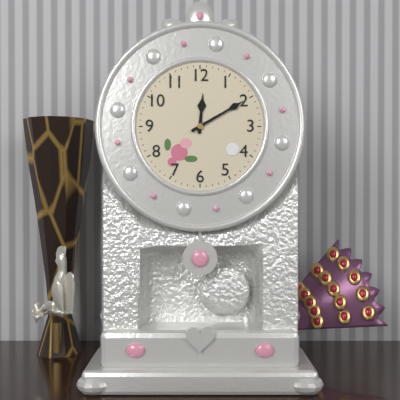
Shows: 12:10
